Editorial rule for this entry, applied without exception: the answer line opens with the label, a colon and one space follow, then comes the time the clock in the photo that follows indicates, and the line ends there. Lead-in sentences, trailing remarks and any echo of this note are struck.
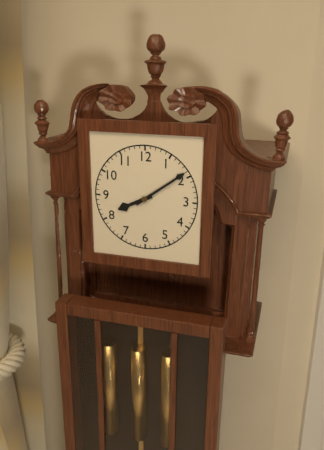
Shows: 8:09
